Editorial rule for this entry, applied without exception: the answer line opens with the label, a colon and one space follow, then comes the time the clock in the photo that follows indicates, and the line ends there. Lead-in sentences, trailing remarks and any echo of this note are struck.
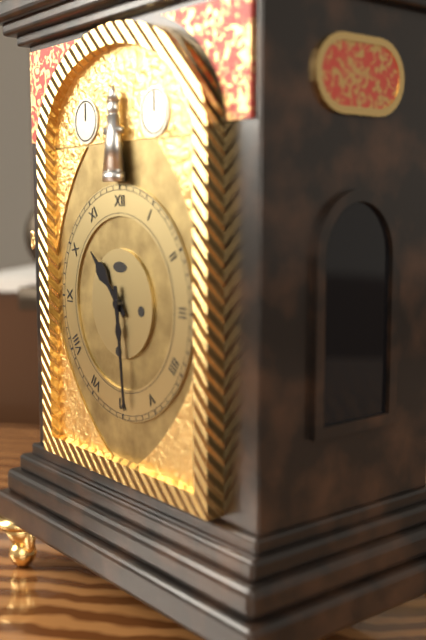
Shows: 10:29
